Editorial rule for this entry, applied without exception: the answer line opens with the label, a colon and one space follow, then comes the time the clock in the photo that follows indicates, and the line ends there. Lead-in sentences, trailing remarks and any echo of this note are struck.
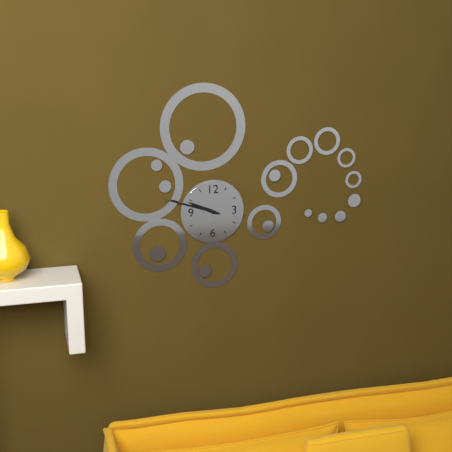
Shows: 9:48
